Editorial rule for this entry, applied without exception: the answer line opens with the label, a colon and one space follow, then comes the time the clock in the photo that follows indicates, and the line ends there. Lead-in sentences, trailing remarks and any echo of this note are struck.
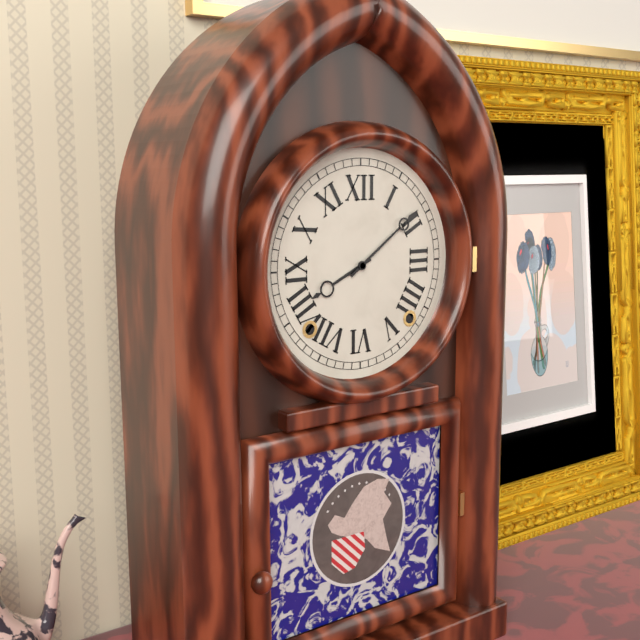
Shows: 8:09
